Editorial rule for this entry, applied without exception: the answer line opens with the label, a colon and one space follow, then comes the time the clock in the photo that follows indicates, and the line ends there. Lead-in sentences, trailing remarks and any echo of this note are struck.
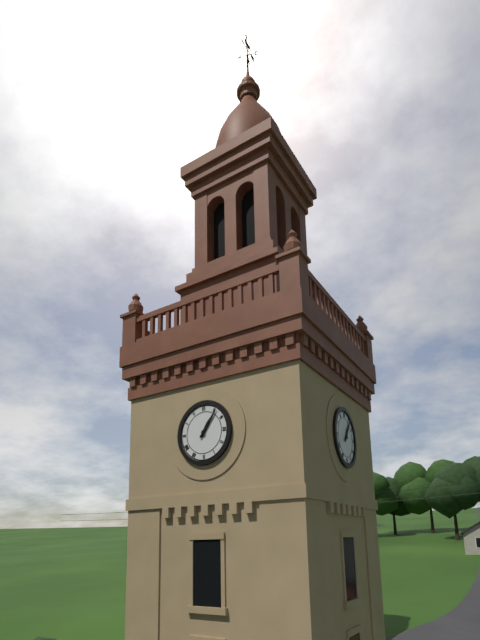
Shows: 1:06
